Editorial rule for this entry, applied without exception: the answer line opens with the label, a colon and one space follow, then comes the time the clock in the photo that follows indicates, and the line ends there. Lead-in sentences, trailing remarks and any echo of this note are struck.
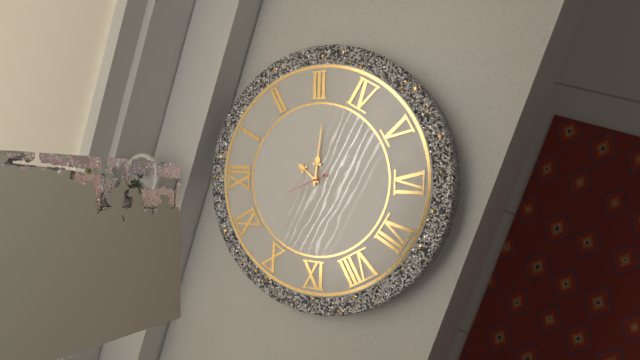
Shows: 1:16
